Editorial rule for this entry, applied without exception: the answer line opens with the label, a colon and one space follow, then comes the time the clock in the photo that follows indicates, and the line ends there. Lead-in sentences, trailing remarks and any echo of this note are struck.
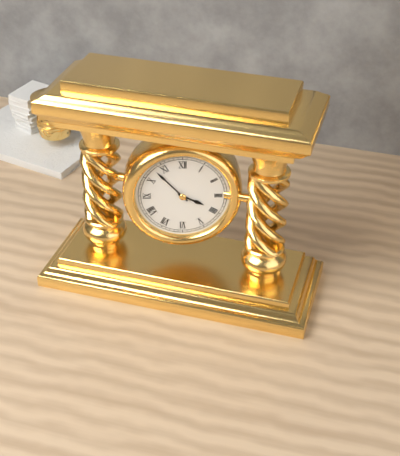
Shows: 3:53
